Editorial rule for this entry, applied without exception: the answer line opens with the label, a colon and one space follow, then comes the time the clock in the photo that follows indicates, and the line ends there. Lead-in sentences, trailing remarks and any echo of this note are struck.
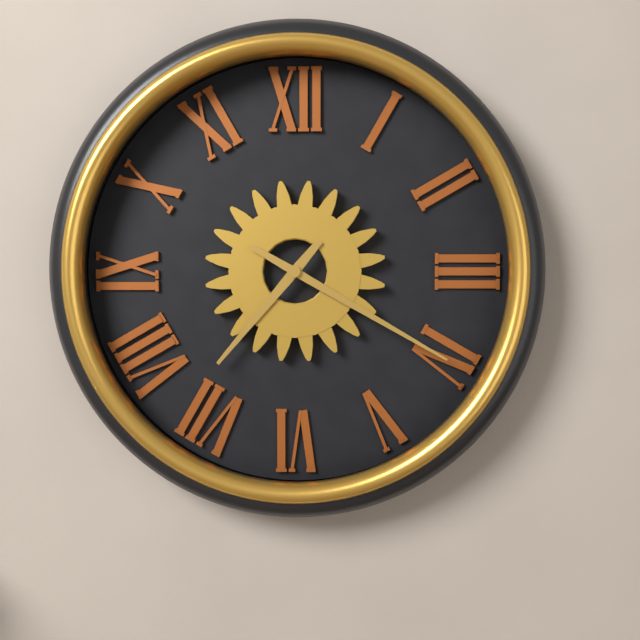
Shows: 7:20
